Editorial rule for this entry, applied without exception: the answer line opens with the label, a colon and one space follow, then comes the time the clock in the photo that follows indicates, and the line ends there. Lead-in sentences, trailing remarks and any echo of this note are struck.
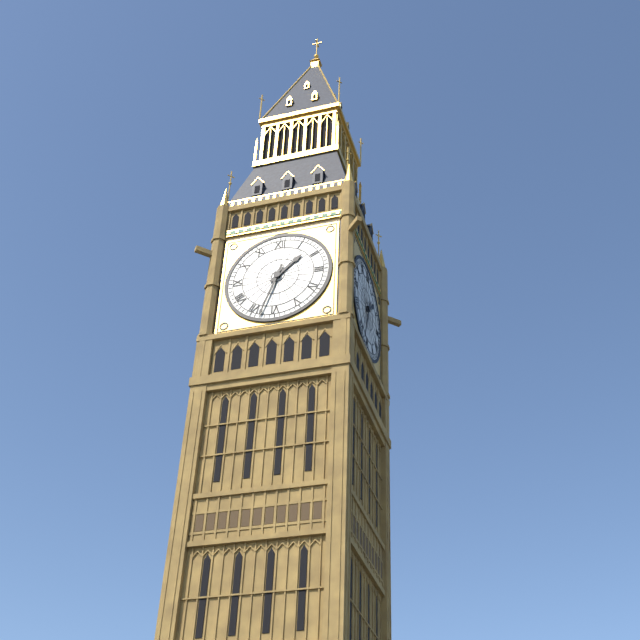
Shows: 1:33
